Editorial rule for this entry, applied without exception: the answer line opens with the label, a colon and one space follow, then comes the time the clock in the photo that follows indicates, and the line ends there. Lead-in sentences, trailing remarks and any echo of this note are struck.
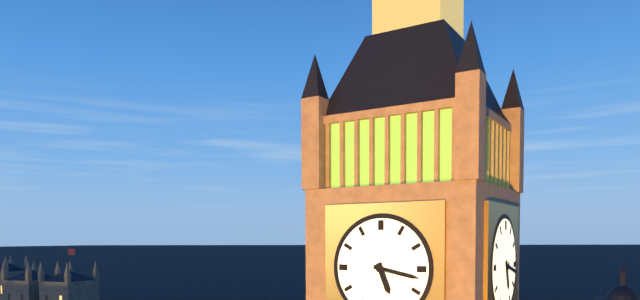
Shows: 5:17
